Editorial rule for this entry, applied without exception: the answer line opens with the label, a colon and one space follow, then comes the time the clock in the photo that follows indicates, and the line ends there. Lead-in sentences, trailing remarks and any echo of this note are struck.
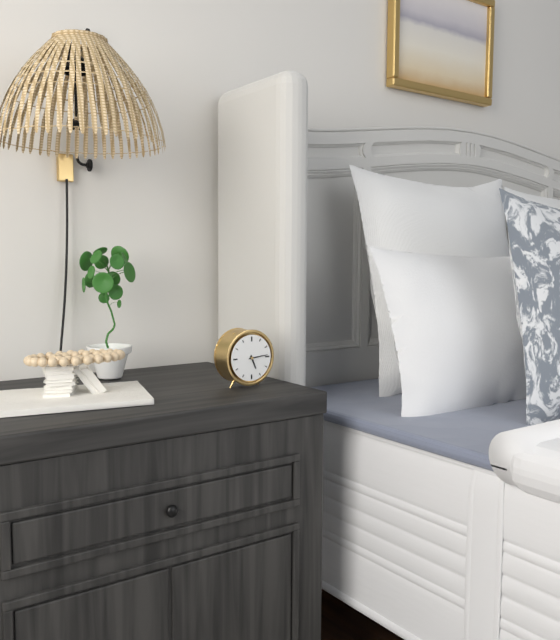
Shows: 5:14
